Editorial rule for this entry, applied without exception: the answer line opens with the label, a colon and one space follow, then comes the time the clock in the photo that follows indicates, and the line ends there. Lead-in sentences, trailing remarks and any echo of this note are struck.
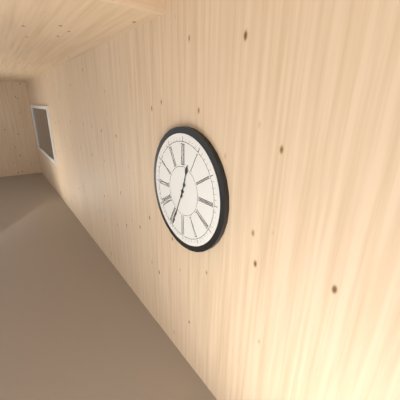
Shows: 12:34
